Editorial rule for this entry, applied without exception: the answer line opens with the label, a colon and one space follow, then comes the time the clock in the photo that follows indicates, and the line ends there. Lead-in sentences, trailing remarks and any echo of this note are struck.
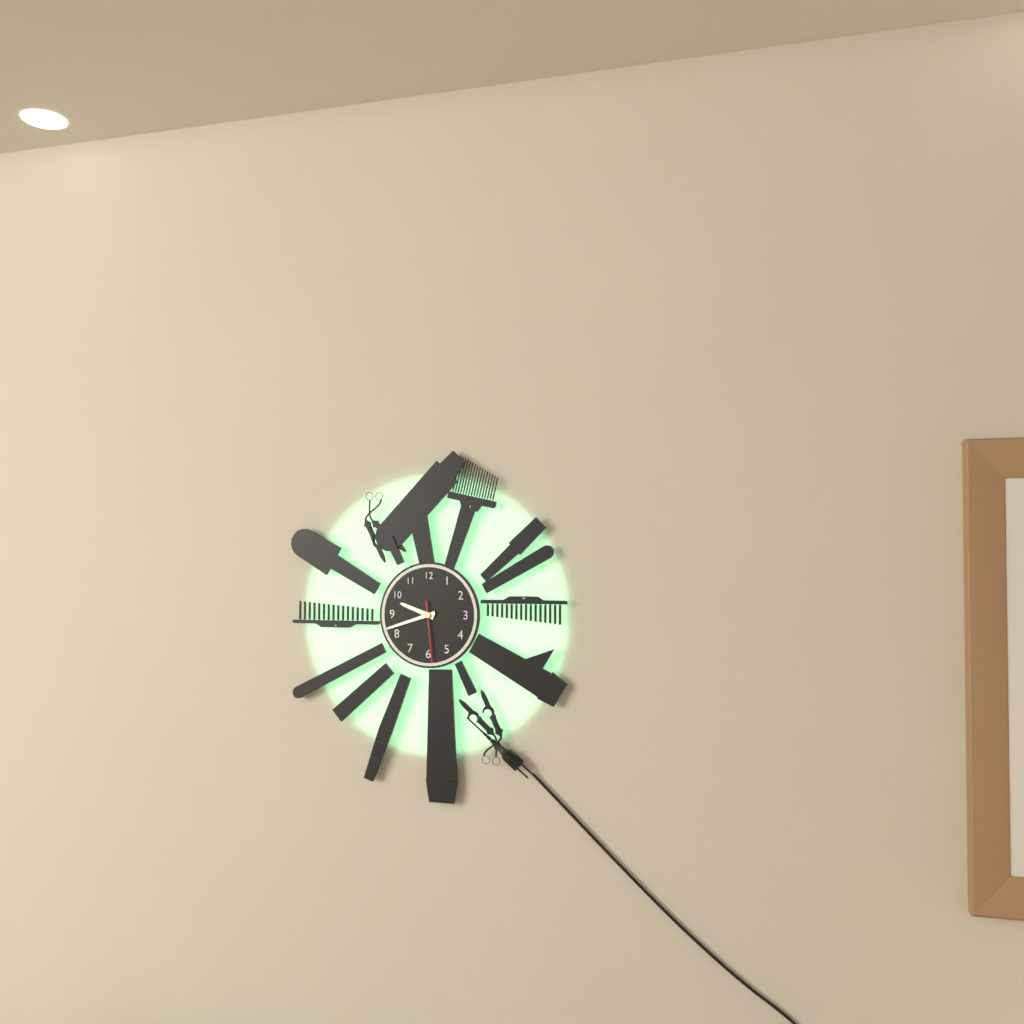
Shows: 9:42:29
